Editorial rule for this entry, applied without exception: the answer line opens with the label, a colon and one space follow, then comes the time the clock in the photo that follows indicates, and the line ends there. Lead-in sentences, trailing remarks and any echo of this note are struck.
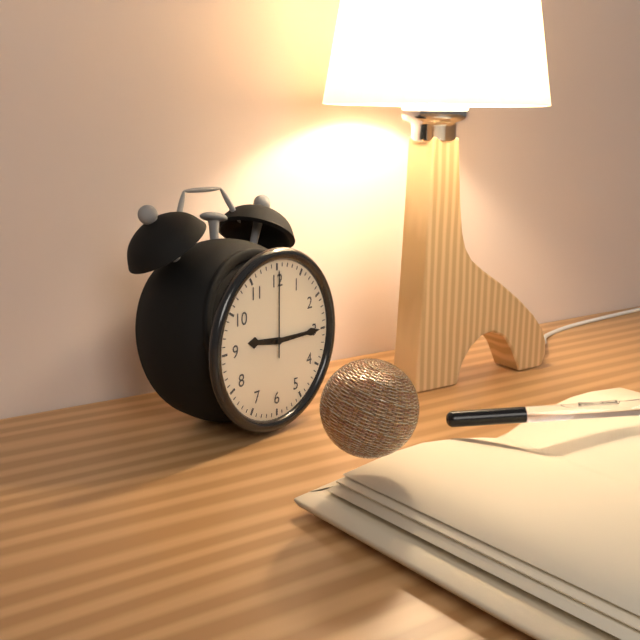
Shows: 9:15:00
